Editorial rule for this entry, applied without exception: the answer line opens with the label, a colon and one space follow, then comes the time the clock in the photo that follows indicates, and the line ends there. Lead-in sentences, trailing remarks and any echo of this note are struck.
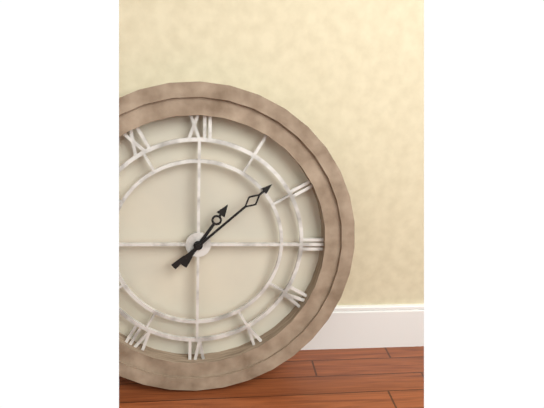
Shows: 1:08
